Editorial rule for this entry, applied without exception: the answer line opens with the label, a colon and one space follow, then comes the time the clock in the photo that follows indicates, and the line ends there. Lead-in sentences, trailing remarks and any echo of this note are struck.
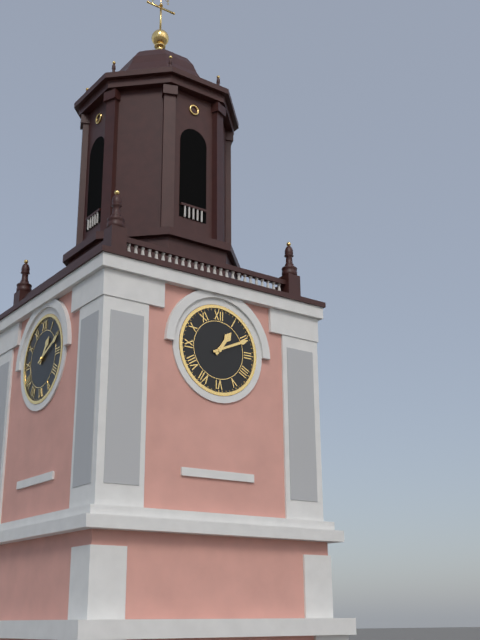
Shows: 1:11
